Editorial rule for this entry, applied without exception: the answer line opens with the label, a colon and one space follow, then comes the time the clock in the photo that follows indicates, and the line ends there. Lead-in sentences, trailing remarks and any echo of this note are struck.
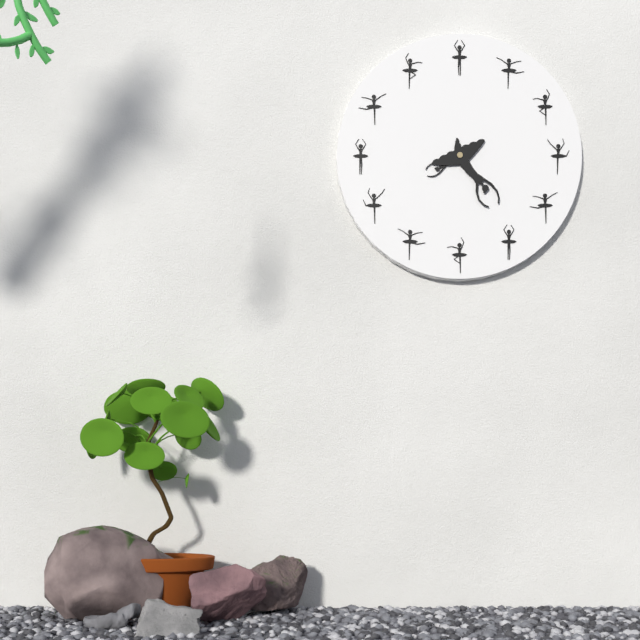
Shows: 8:26
